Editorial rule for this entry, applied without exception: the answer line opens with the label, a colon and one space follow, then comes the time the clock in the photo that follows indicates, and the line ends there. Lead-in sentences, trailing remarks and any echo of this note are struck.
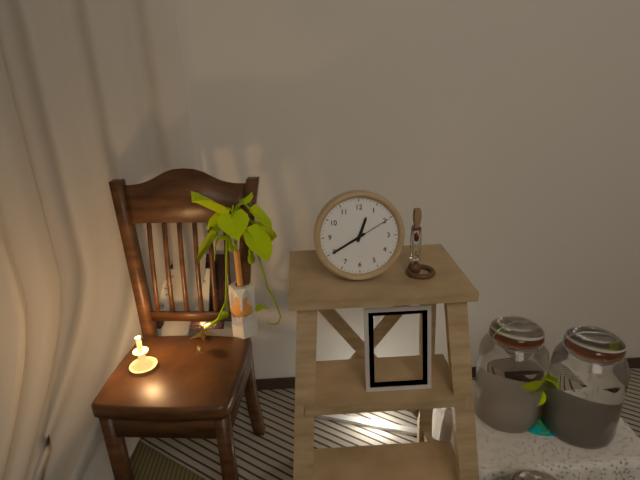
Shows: 12:40
